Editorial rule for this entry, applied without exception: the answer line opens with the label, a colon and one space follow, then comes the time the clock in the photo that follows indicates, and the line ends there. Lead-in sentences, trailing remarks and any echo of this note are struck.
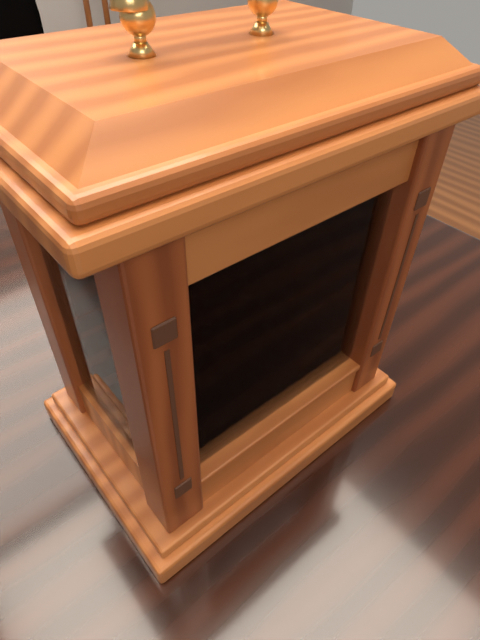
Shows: 8:50
